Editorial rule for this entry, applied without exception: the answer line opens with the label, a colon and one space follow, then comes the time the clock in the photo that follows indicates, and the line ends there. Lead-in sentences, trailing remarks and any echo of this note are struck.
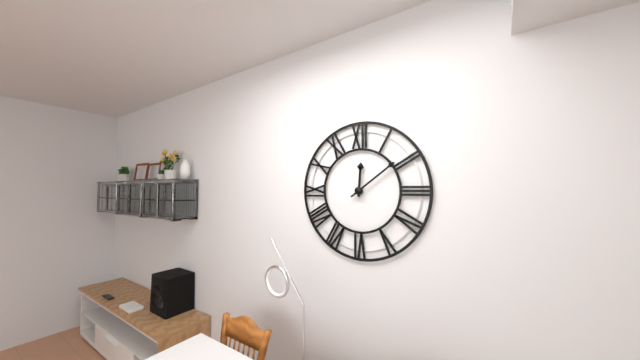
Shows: 12:09
